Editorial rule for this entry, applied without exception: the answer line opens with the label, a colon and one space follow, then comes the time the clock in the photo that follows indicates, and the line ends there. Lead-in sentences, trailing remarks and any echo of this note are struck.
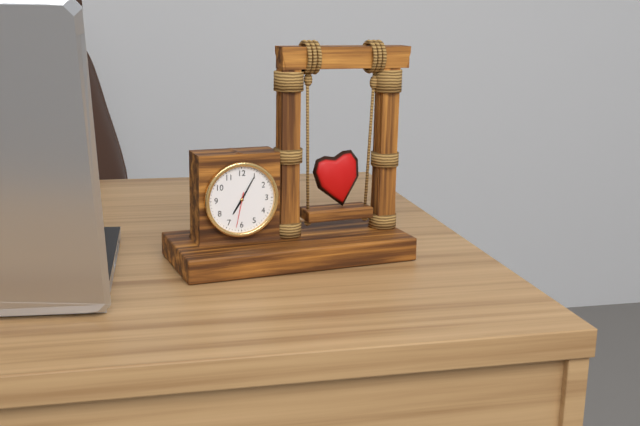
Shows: 7:05
